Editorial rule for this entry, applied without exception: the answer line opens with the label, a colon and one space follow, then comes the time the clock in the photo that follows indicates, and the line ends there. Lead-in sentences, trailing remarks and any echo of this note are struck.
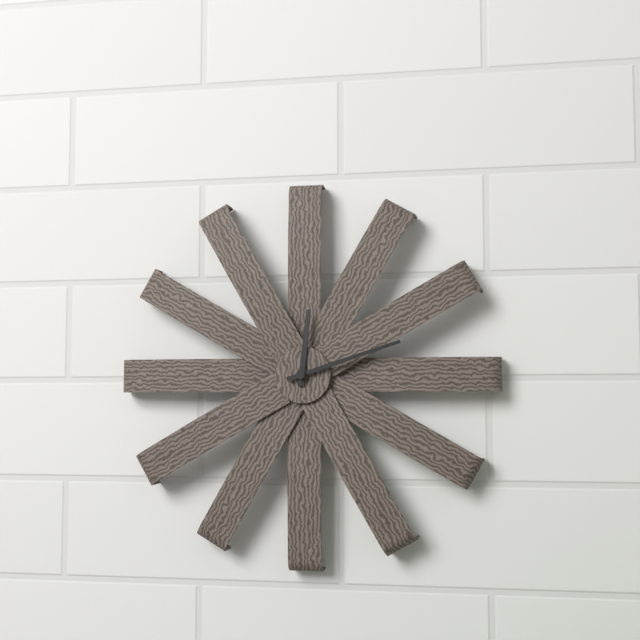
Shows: 12:12
